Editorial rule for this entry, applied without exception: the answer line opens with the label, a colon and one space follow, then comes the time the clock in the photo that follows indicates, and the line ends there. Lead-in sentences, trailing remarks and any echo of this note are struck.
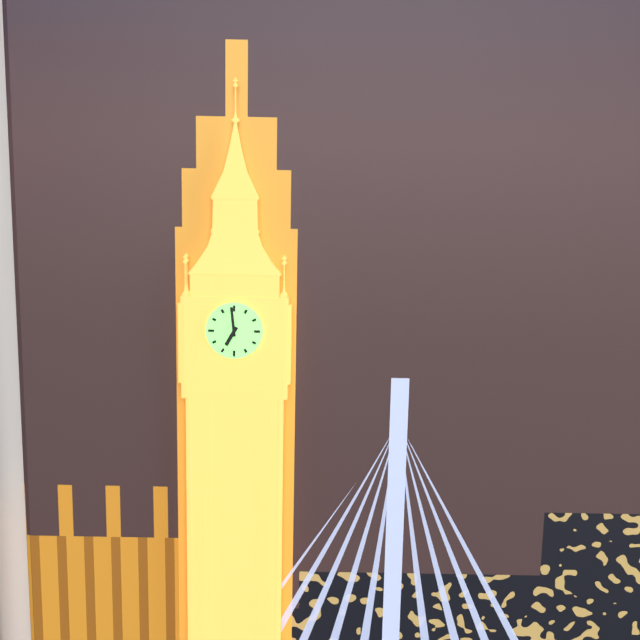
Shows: 6:59
